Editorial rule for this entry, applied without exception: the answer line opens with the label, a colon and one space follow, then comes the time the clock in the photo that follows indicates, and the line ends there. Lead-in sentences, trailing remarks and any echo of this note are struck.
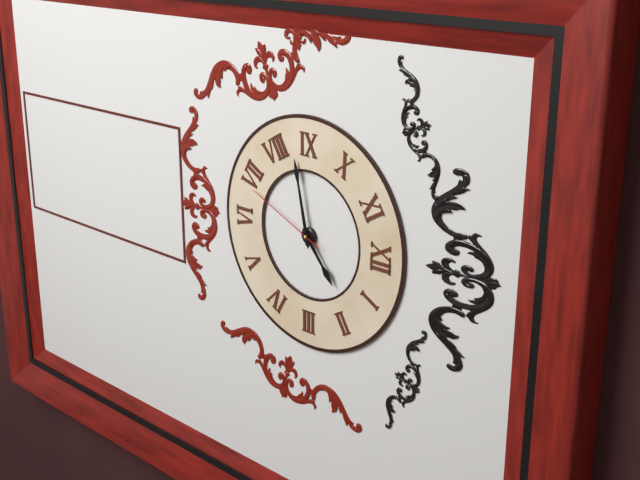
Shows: 1:43:34
